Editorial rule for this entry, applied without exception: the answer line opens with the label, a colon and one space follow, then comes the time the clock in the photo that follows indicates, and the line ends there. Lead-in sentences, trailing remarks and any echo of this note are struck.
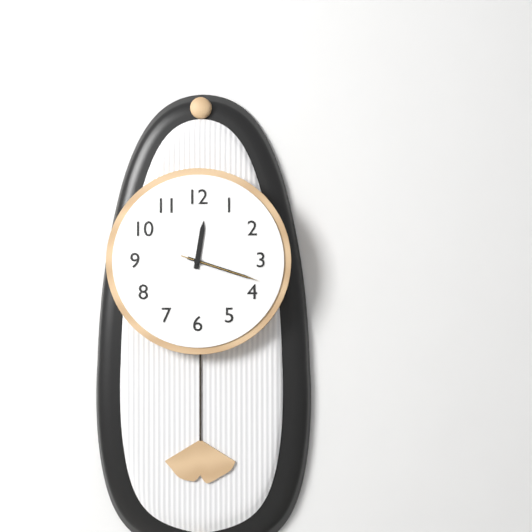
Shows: 12:18:18
